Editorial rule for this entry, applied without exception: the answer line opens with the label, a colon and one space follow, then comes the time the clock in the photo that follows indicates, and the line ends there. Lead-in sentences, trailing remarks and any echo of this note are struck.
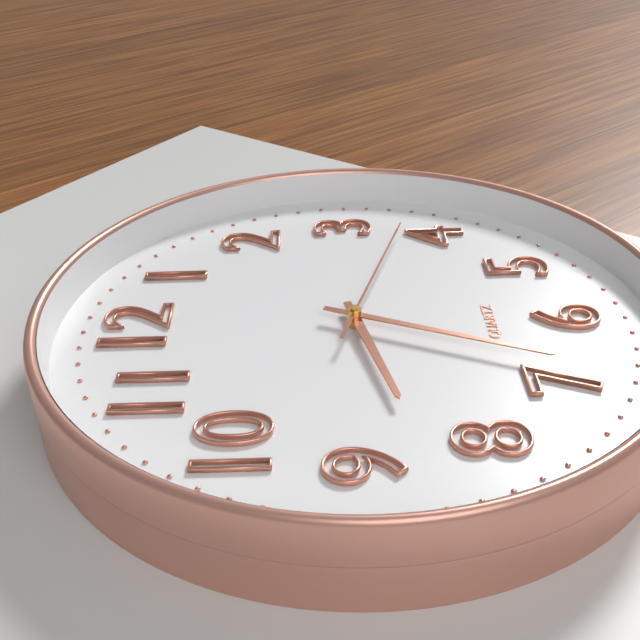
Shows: 8:34:18
